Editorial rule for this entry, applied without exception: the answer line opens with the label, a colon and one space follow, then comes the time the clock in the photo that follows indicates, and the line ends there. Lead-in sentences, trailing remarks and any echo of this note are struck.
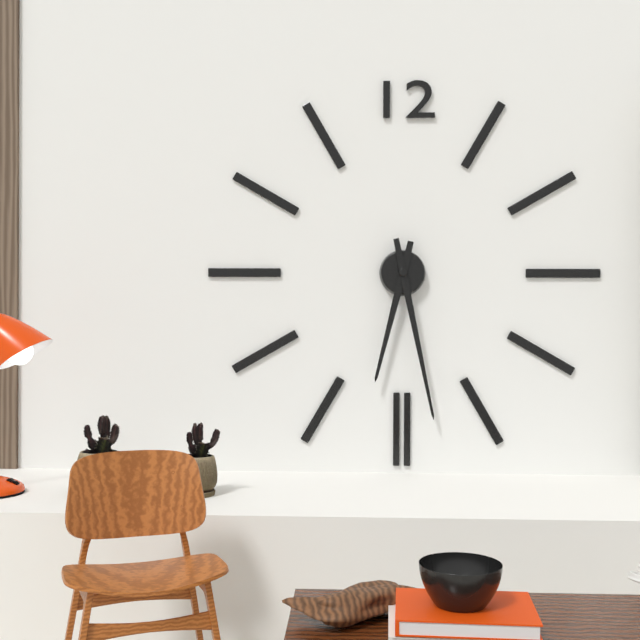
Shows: 6:28
